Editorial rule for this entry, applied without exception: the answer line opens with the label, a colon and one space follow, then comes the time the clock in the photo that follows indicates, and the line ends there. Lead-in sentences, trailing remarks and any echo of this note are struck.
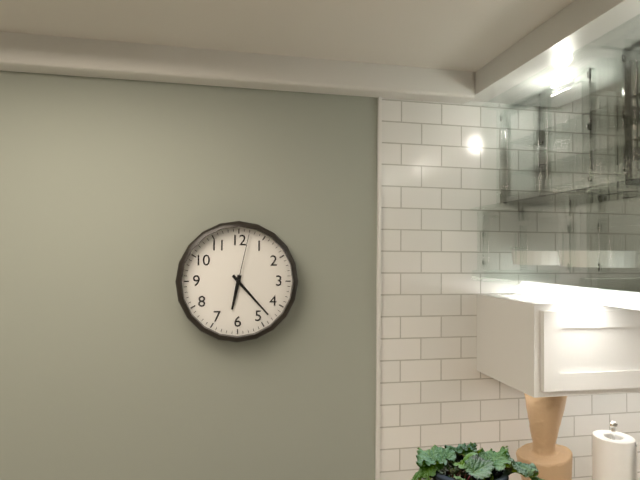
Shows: 6:23:02
